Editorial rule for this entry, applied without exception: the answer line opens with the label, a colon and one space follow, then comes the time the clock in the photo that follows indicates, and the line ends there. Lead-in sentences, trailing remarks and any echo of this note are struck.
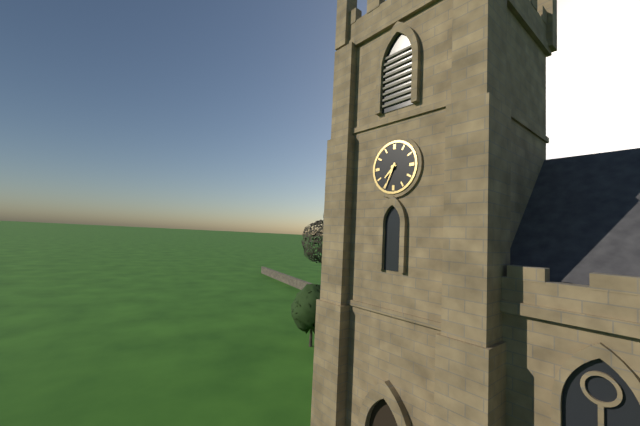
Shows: 7:34
